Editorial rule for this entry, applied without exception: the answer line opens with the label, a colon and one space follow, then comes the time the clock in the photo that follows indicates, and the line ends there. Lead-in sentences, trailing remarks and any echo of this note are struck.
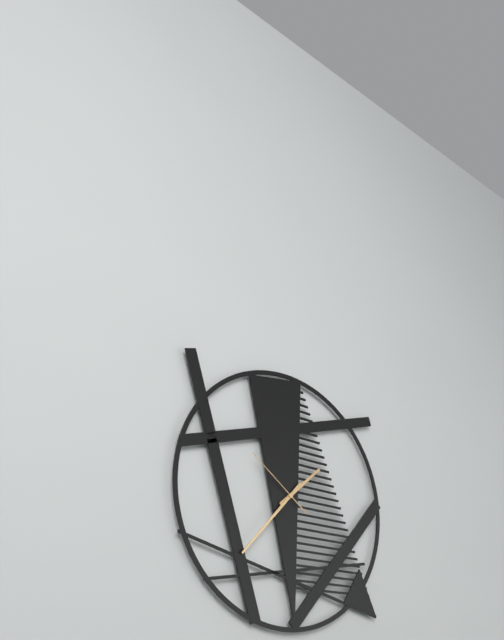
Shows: 1:37:51
